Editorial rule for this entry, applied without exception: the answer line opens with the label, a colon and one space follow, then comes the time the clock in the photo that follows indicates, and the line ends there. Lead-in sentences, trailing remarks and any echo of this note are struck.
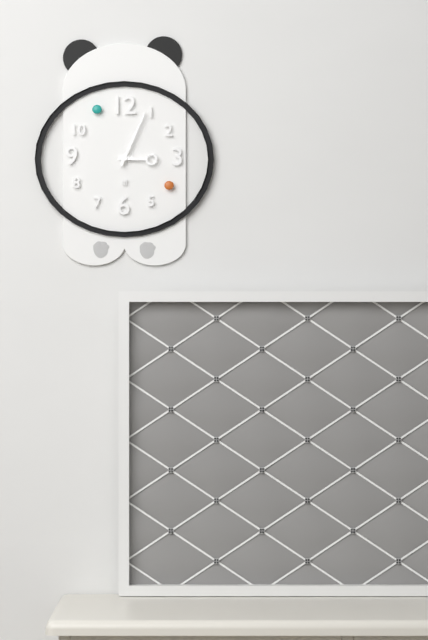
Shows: 3:04
